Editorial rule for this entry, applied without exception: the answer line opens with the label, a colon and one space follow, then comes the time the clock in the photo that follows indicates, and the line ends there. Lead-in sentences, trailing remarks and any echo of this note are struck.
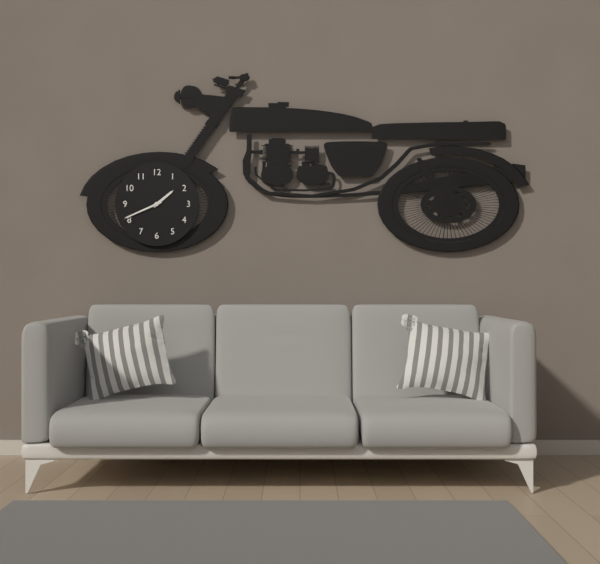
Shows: 1:41
